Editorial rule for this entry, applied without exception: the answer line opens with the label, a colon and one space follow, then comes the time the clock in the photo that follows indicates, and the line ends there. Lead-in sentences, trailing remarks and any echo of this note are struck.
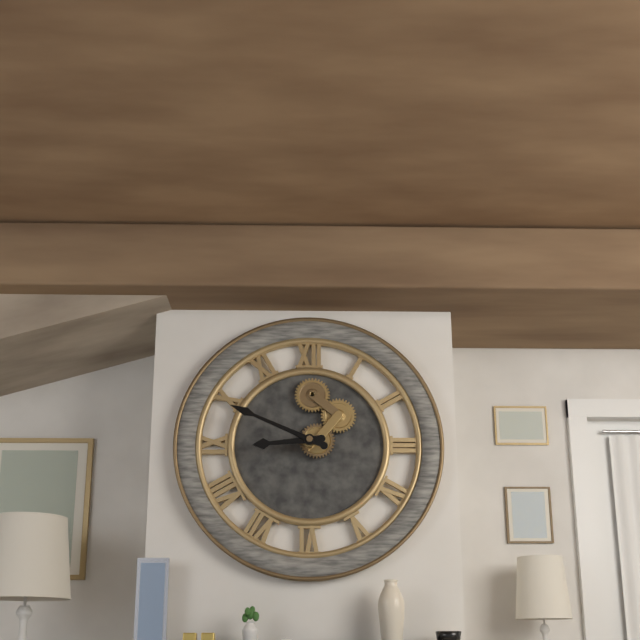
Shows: 8:49
